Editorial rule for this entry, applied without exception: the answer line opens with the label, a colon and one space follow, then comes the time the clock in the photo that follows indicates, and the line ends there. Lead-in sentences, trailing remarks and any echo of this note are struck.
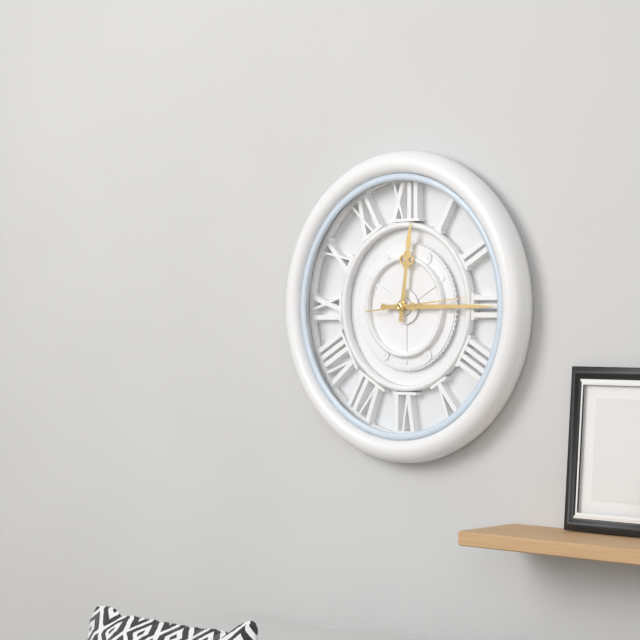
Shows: 12:15:14
